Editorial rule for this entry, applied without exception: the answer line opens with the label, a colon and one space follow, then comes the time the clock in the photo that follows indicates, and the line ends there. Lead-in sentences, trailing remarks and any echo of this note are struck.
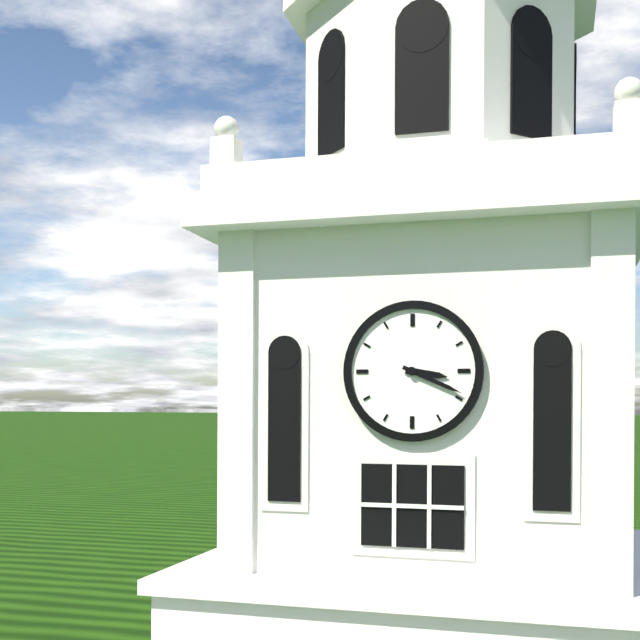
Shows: 3:19
